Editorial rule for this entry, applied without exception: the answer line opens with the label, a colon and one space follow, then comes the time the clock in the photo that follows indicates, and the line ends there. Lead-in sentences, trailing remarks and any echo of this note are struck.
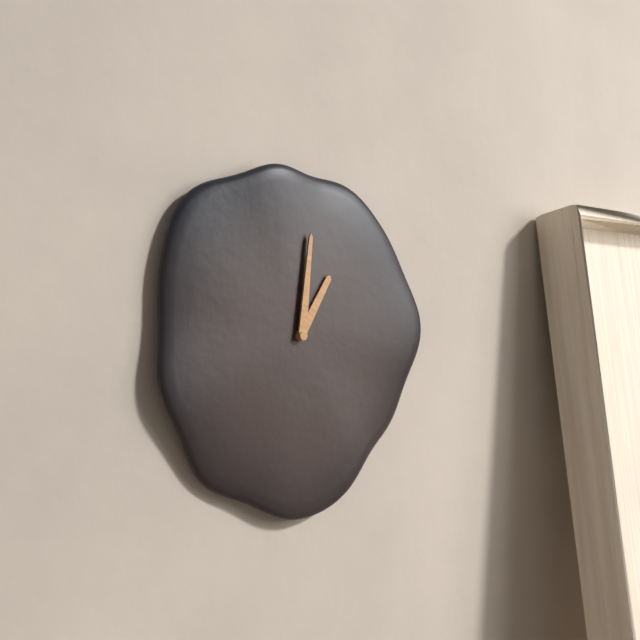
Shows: 1:01
